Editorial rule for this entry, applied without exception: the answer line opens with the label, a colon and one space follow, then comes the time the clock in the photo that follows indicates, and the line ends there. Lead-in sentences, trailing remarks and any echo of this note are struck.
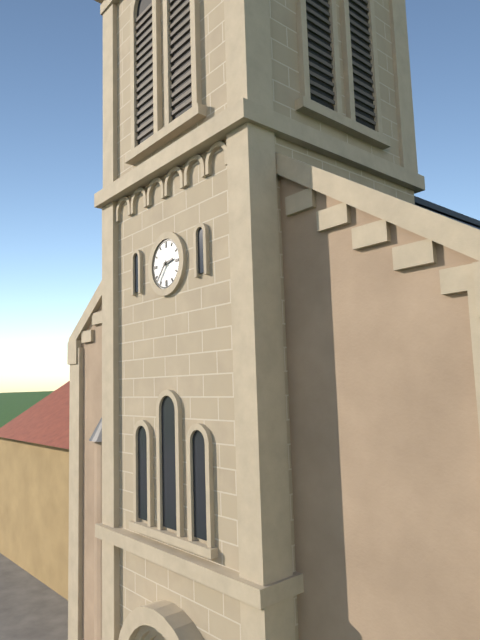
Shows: 2:37
